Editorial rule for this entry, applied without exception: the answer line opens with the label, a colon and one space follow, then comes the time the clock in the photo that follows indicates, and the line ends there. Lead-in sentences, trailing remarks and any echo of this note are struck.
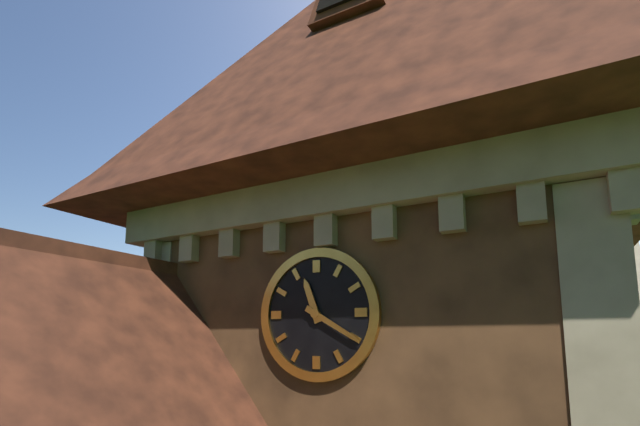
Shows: 11:20
